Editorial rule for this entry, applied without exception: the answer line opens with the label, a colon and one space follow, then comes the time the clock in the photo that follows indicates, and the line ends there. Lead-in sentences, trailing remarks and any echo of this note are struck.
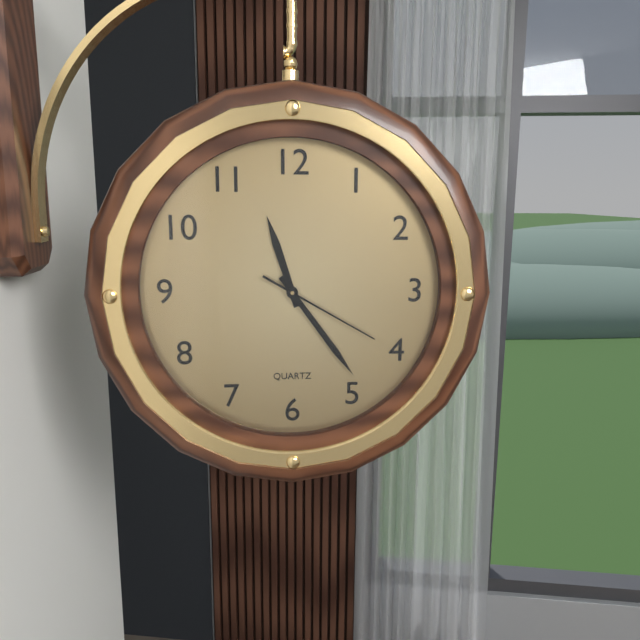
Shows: 11:24:20
